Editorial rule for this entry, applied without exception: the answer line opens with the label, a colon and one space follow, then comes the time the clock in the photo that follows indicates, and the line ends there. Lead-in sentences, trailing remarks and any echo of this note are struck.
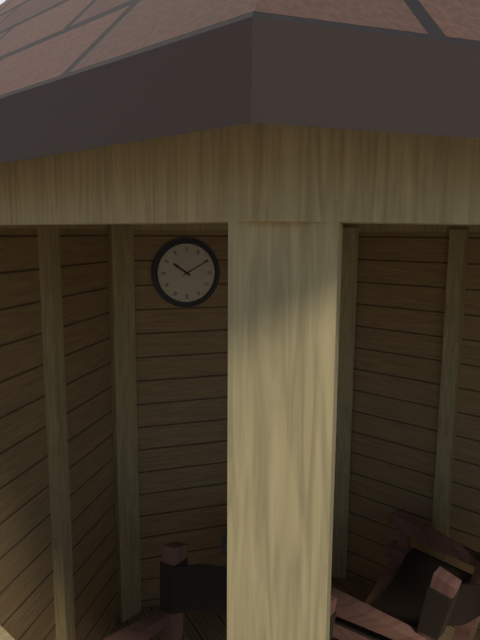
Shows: 10:10
